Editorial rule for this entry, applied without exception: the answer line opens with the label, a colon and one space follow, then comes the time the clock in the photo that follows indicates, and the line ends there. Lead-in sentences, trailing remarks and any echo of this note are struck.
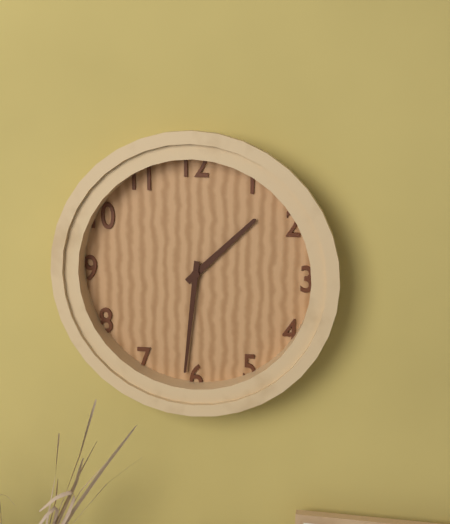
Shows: 1:31
